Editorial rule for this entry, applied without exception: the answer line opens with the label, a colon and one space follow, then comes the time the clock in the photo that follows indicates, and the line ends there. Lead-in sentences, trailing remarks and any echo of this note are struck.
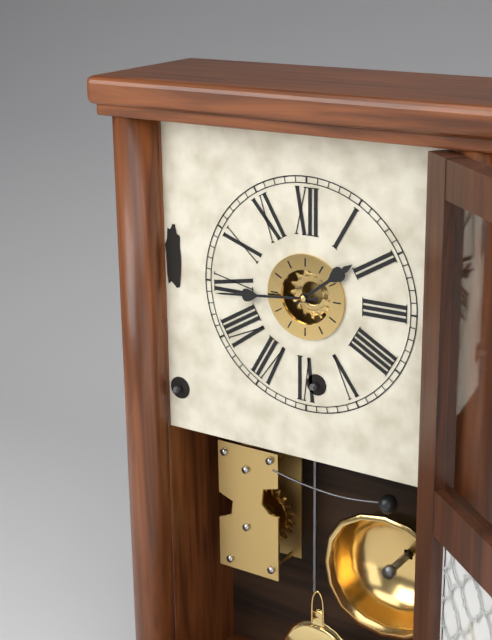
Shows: 1:44
